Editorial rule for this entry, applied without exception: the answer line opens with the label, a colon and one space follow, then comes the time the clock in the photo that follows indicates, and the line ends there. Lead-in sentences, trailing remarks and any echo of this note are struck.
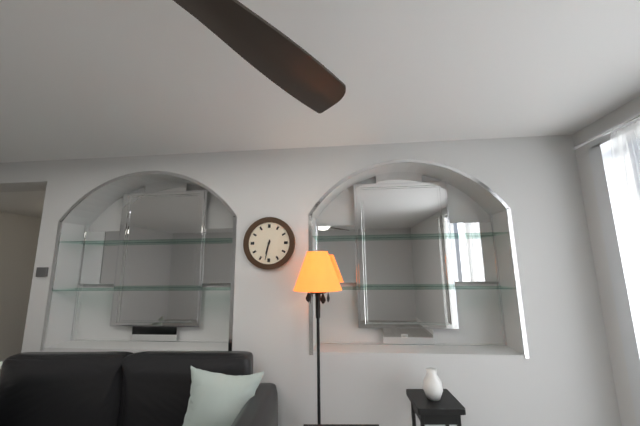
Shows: 6:32
